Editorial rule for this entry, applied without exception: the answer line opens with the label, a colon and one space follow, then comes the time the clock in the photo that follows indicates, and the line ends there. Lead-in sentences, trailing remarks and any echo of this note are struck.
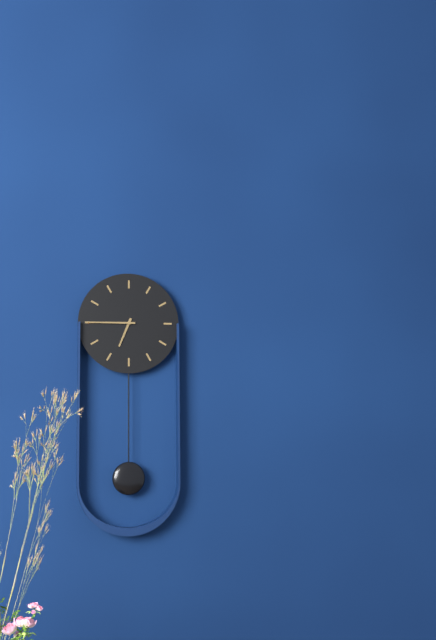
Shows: 6:45
